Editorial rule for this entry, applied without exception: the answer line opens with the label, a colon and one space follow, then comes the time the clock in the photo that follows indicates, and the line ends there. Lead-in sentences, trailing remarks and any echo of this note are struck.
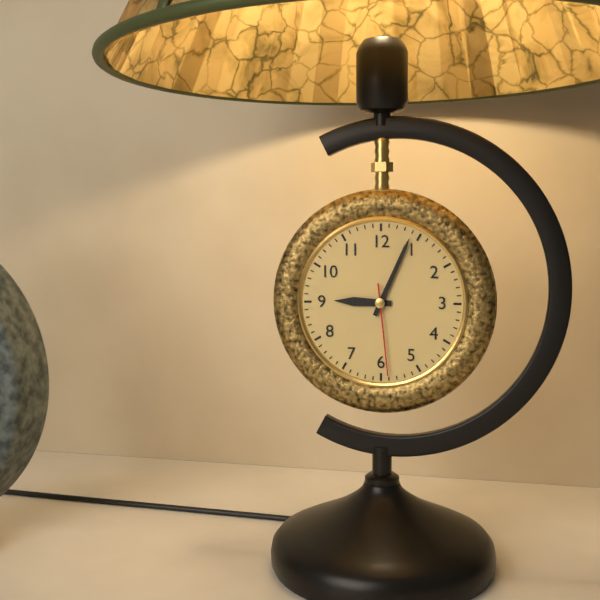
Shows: 9:04:29
